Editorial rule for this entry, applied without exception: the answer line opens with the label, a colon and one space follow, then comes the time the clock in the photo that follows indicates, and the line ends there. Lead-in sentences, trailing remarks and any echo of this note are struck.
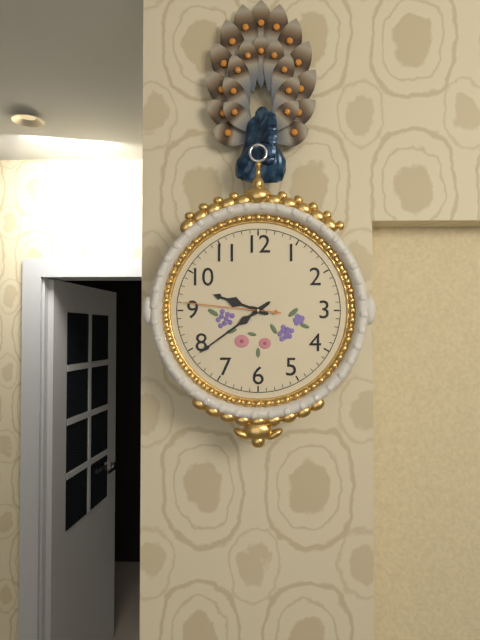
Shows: 9:39:46
